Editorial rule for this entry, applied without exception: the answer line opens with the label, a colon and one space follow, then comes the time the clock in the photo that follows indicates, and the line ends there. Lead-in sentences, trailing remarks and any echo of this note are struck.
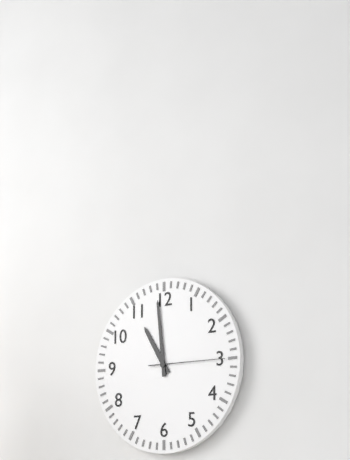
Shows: 10:59:15
